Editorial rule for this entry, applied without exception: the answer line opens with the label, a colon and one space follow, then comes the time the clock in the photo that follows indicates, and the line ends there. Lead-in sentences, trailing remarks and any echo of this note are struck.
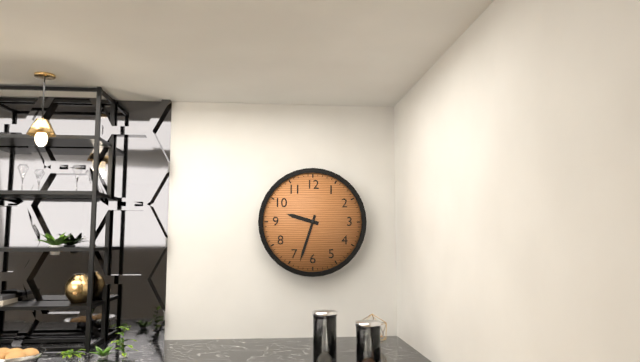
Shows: 9:33
